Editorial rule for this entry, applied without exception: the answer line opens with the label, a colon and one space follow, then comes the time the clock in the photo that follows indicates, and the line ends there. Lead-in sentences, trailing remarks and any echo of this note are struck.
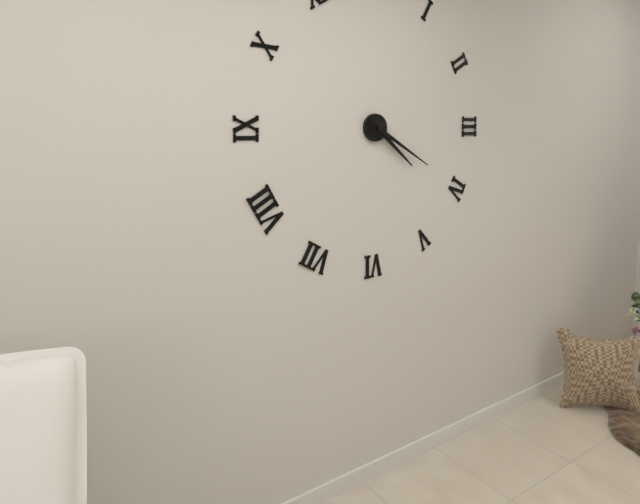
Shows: 4:20
